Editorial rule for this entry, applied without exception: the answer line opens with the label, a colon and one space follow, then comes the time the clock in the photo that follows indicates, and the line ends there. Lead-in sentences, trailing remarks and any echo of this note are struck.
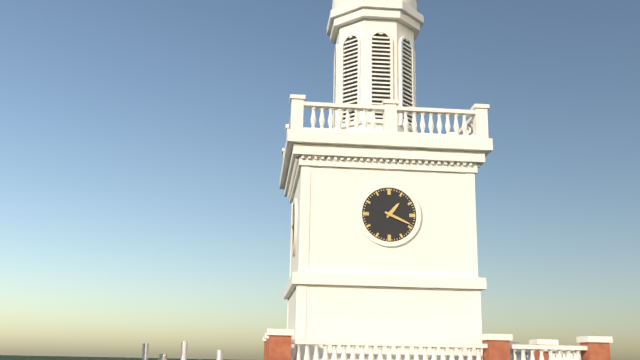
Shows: 1:19
